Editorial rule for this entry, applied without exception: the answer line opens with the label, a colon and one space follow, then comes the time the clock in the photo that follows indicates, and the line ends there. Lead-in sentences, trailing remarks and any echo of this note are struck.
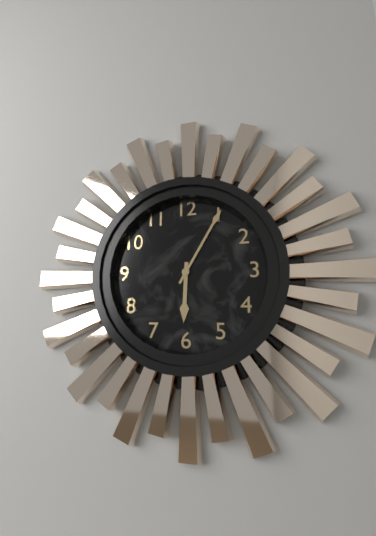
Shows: 6:05
